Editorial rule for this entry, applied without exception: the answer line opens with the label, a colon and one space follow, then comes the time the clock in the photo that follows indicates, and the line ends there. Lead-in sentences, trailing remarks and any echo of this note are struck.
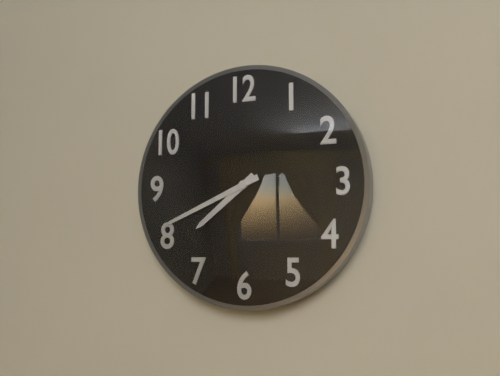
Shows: 7:41
